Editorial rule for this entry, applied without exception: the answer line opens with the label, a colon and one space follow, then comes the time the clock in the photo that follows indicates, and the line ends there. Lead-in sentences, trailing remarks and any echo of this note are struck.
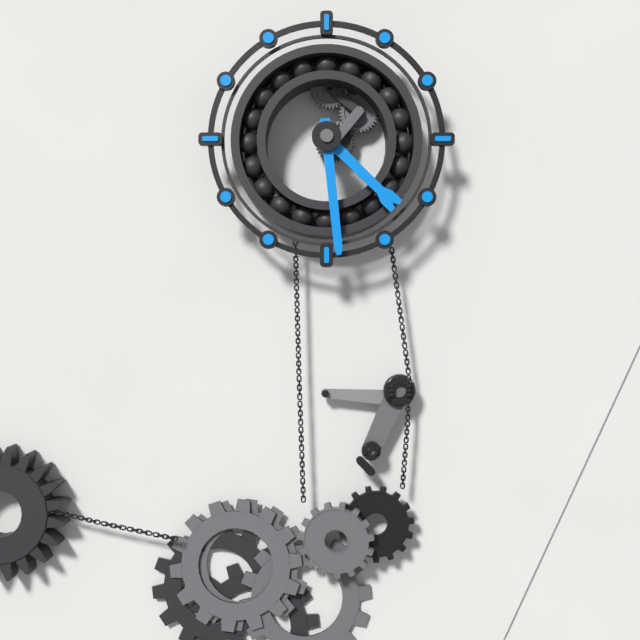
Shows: 4:29
